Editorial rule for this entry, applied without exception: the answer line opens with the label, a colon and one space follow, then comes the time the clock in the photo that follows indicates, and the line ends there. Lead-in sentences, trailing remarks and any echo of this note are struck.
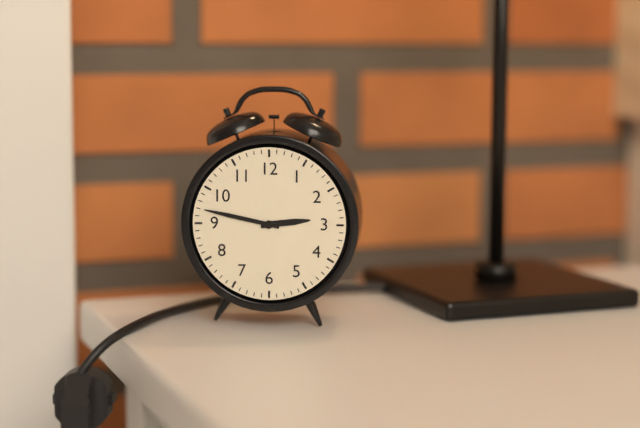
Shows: 2:47
